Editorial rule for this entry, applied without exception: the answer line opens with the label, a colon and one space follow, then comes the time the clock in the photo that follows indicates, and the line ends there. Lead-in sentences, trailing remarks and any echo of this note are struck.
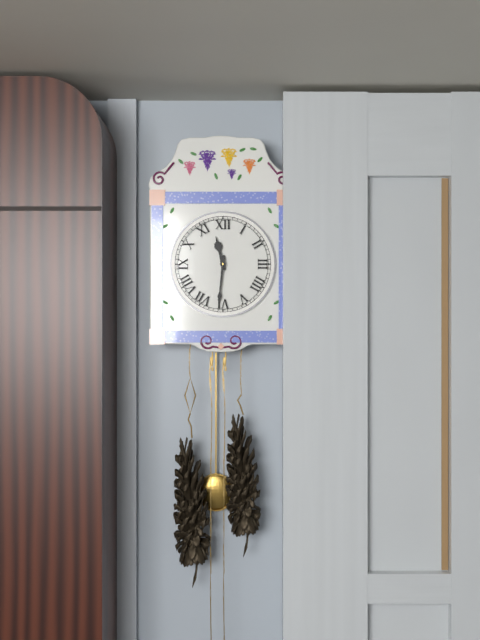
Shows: 11:31
